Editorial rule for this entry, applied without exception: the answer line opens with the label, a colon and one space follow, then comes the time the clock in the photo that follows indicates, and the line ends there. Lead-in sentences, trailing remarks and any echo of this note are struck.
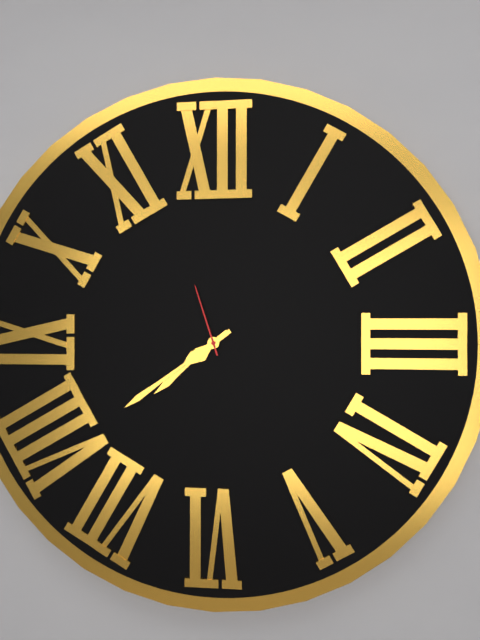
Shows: 7:39:57
